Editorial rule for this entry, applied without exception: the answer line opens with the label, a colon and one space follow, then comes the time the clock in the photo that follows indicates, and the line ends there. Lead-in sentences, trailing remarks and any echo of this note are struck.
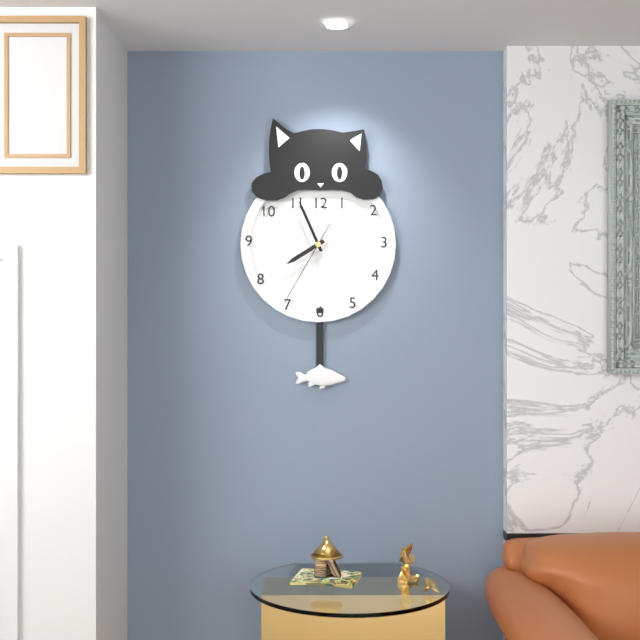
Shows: 7:56:35
